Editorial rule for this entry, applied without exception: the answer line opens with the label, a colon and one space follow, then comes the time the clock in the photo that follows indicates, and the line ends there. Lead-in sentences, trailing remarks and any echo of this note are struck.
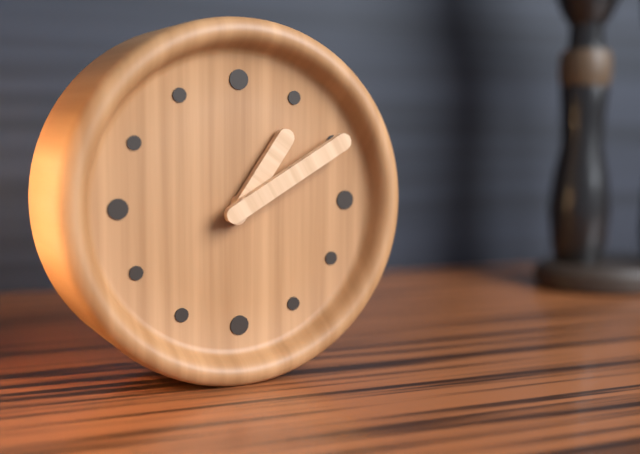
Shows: 1:10
